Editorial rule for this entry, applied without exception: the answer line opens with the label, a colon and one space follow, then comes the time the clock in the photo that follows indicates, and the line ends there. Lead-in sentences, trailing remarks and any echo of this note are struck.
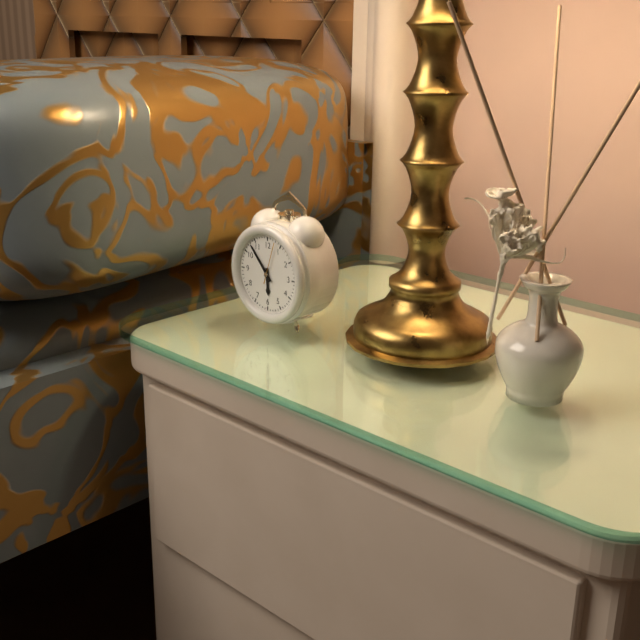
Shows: 5:53
